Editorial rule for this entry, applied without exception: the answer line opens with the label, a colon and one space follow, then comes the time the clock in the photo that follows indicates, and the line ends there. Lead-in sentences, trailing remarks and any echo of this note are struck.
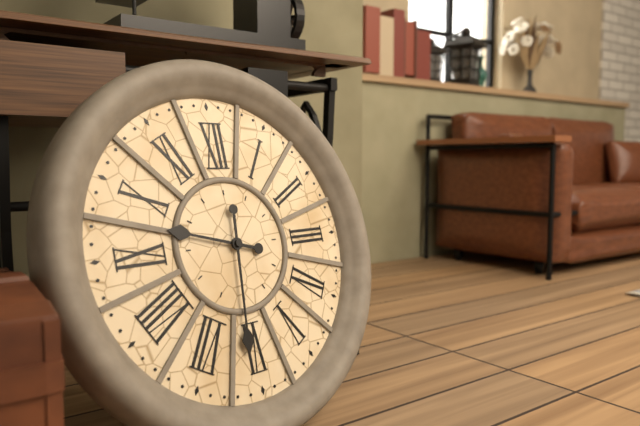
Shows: 9:31
